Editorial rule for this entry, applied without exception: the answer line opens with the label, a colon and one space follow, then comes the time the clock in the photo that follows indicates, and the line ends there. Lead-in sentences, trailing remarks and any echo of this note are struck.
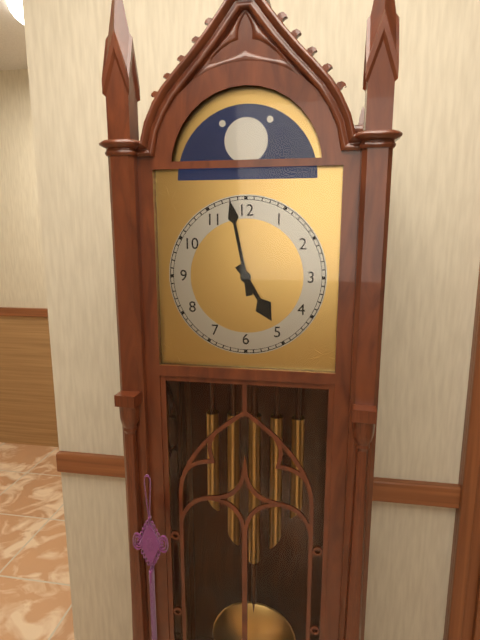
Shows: 4:58
